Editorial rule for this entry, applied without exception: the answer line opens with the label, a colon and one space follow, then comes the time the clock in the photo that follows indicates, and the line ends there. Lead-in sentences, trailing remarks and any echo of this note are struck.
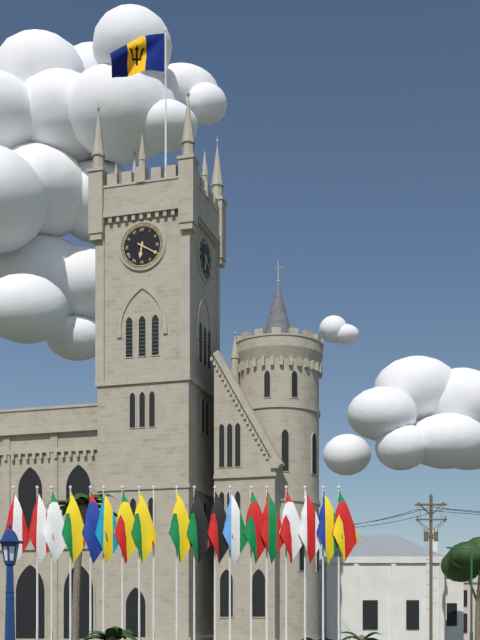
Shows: 6:20
